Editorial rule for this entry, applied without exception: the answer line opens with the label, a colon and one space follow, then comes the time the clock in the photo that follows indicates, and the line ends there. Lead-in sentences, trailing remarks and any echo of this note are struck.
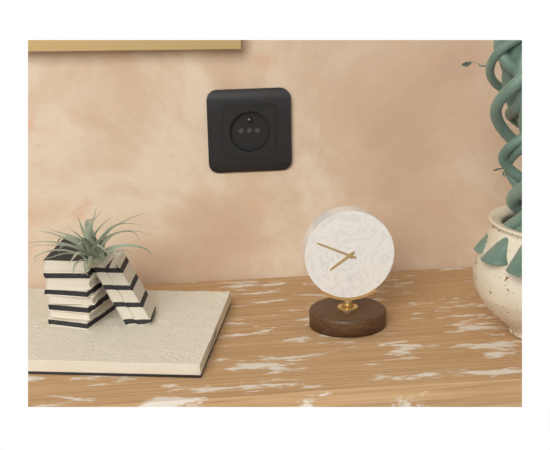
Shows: 7:49
